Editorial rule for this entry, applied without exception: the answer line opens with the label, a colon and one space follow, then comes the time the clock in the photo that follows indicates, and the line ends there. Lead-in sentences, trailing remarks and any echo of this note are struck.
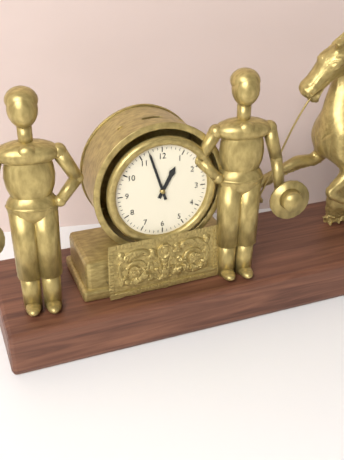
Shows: 12:57
